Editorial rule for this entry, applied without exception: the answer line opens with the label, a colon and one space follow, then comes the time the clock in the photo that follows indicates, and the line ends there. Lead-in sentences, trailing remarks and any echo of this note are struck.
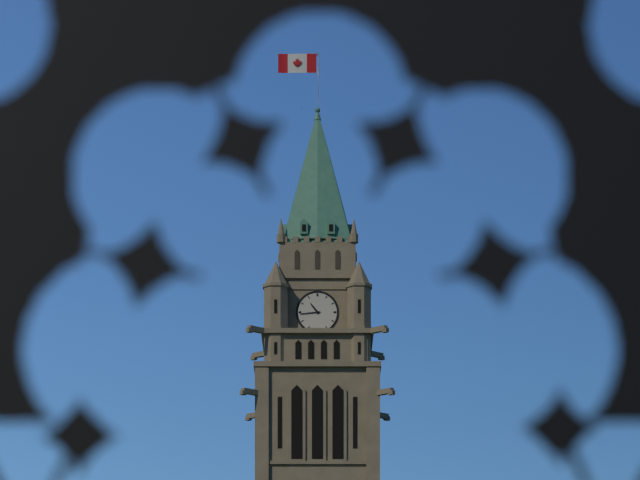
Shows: 10:44
